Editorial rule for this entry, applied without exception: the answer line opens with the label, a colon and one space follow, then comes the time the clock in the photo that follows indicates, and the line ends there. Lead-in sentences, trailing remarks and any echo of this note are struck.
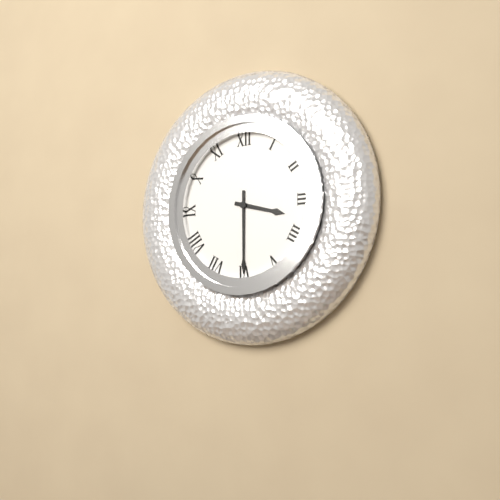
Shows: 3:30
